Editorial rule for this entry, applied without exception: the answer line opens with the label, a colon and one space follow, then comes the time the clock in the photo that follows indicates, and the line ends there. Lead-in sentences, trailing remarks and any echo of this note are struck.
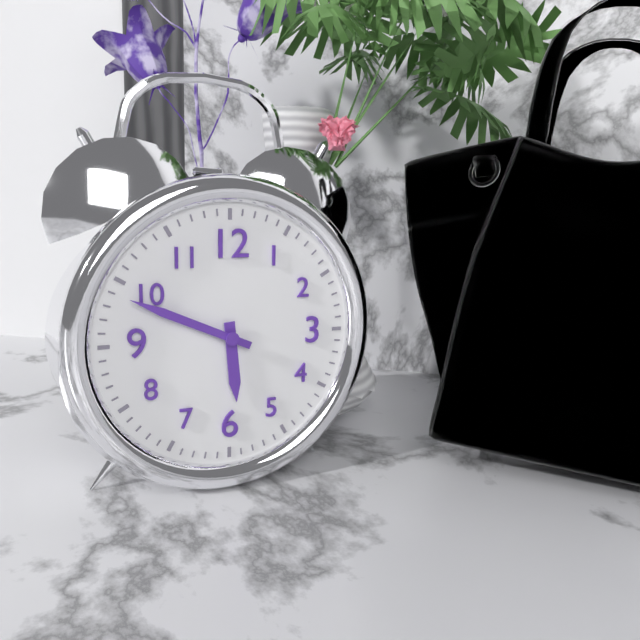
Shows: 5:49
